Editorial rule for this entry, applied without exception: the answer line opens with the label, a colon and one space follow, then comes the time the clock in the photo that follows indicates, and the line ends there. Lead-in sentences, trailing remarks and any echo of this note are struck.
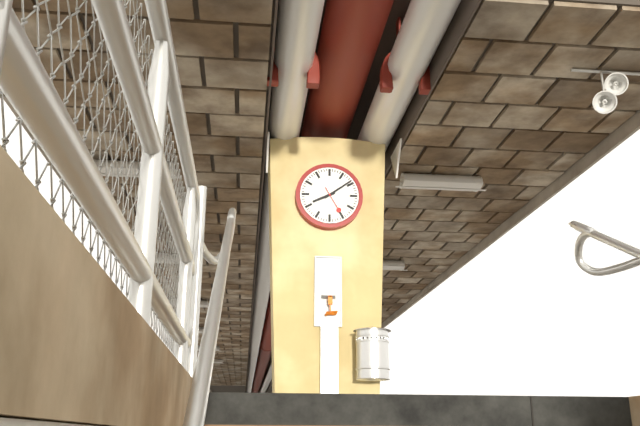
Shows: 8:09
